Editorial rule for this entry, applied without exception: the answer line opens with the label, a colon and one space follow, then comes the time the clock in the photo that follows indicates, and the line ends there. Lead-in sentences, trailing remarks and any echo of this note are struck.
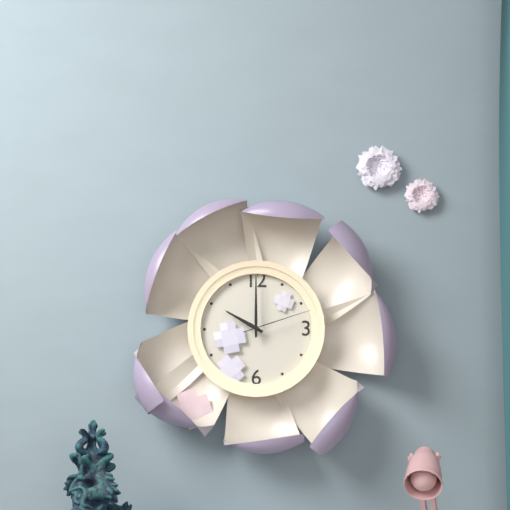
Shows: 10:00:12
